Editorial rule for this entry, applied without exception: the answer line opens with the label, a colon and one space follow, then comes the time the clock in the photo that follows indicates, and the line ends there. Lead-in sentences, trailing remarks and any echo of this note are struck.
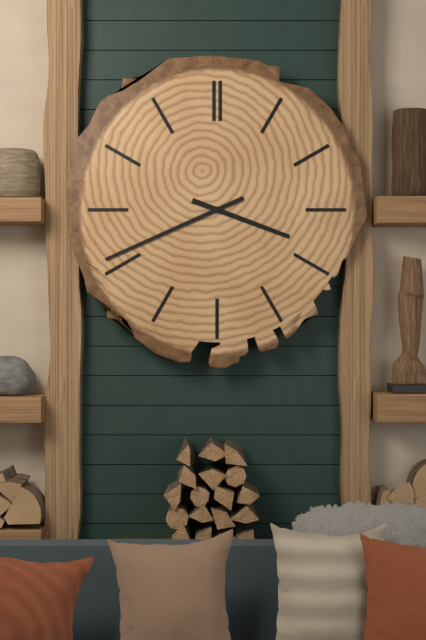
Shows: 3:41
